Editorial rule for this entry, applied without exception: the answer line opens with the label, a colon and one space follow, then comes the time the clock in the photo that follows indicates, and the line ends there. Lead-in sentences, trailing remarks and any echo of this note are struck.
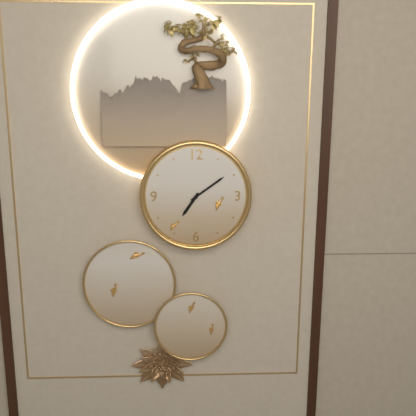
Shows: 7:09
